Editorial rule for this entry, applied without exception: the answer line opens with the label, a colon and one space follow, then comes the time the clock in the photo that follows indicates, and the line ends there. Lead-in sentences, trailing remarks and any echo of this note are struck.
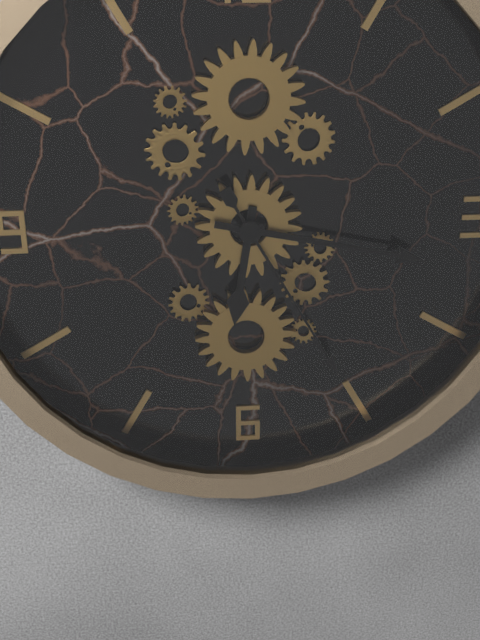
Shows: 6:17:25
